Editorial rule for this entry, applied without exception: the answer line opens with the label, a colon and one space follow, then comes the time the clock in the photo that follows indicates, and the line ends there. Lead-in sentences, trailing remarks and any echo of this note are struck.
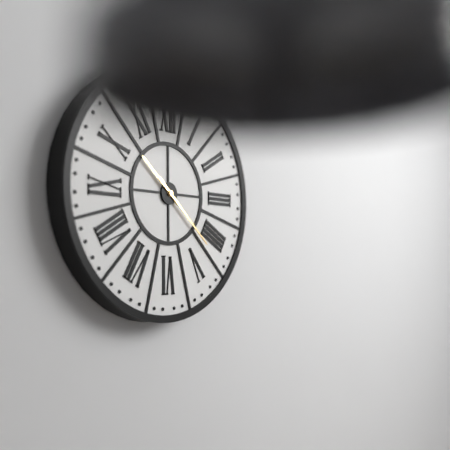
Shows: 10:22
